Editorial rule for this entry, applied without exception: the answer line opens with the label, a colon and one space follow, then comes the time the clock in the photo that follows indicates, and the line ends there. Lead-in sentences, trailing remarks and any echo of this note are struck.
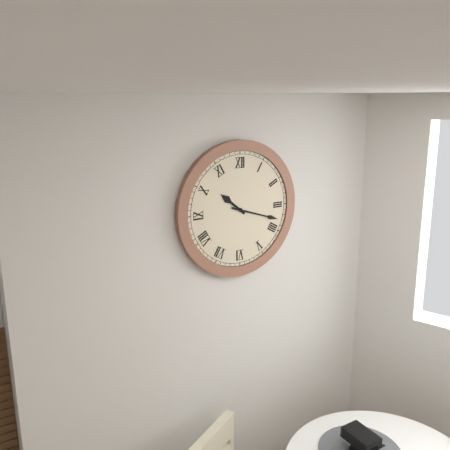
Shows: 10:18
